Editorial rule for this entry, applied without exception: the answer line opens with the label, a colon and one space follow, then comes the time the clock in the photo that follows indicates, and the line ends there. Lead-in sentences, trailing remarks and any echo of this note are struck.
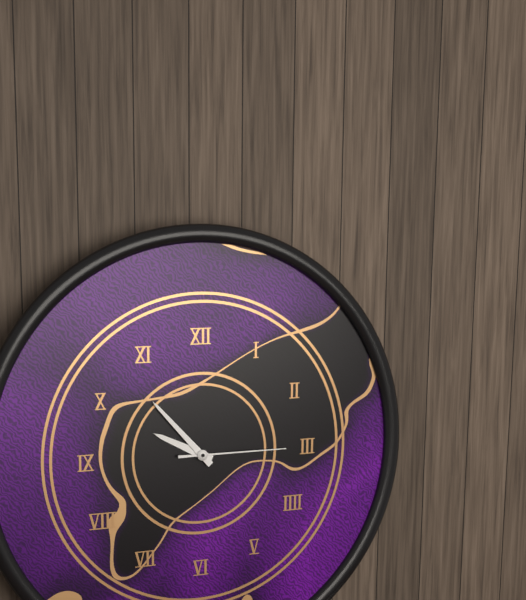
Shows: 9:53:15
